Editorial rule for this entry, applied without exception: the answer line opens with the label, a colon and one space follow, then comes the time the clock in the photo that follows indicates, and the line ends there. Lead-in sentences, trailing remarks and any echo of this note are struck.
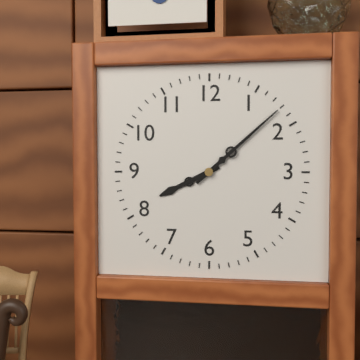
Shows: 8:08
